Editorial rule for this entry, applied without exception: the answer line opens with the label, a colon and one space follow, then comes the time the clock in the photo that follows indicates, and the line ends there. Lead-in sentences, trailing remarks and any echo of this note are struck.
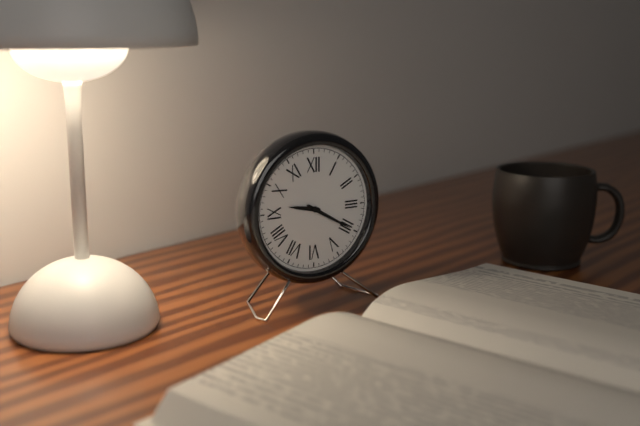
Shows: 9:20
